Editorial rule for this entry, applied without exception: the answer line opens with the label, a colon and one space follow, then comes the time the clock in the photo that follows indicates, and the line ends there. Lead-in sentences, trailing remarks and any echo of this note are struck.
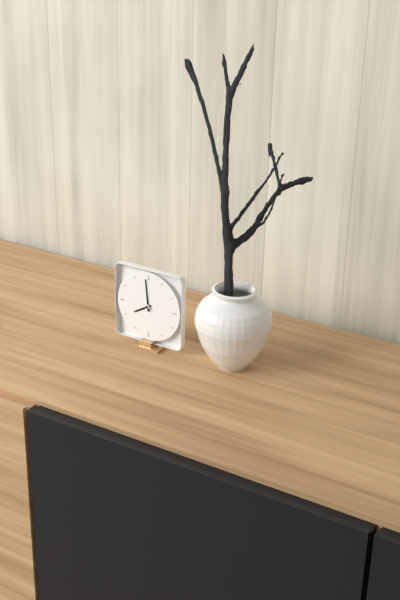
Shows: 7:59
